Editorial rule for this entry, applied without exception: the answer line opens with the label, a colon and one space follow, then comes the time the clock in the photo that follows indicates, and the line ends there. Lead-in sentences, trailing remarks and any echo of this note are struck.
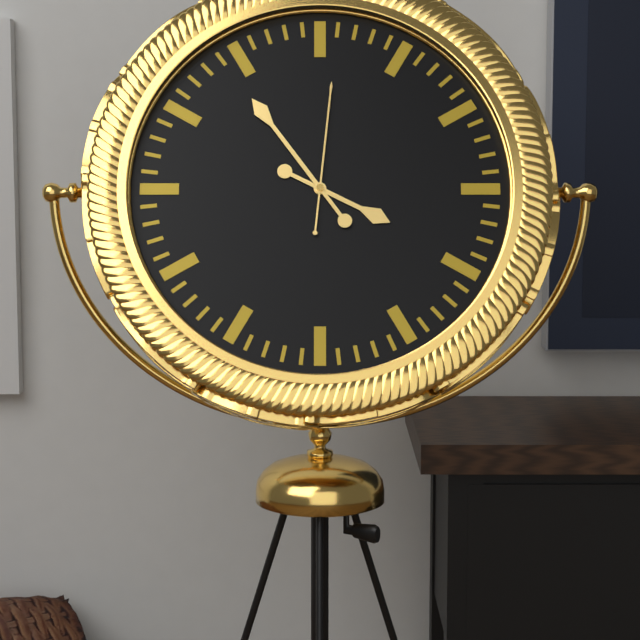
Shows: 3:54:01
